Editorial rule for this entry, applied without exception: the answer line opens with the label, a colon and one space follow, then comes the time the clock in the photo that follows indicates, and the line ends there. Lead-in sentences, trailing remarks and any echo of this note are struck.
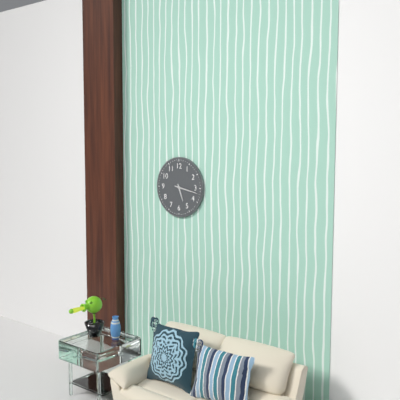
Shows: 5:17
